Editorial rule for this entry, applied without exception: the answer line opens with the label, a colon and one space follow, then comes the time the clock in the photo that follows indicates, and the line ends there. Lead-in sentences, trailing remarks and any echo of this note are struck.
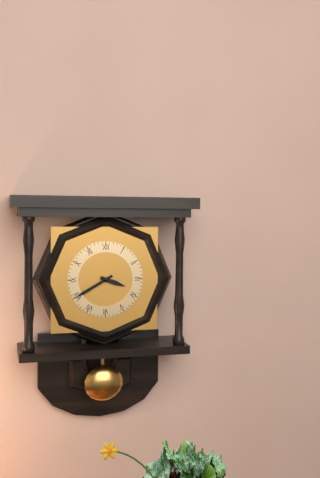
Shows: 3:40
